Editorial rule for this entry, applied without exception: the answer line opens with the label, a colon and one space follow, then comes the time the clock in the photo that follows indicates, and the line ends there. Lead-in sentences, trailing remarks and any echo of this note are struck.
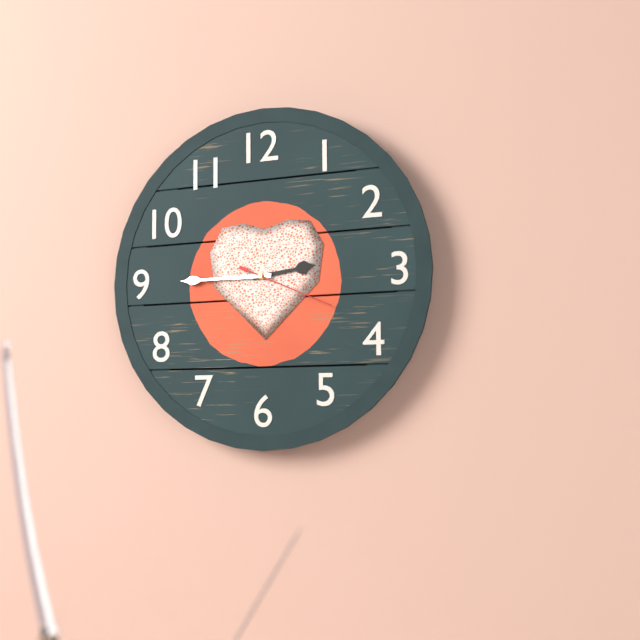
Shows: 2:45:19
